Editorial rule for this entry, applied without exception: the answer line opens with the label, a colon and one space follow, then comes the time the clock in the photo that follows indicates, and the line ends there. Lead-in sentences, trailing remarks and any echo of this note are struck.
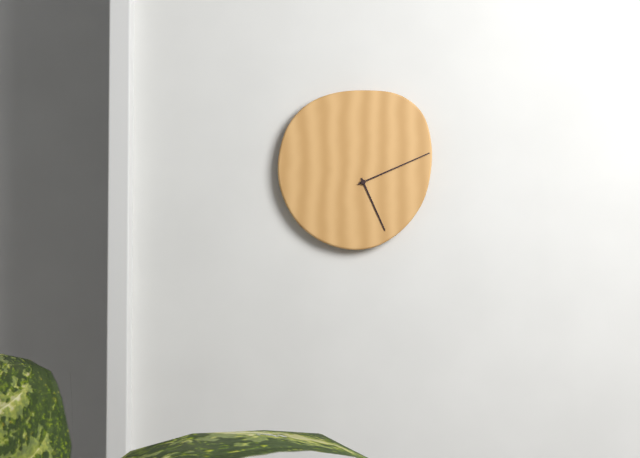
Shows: 5:11
